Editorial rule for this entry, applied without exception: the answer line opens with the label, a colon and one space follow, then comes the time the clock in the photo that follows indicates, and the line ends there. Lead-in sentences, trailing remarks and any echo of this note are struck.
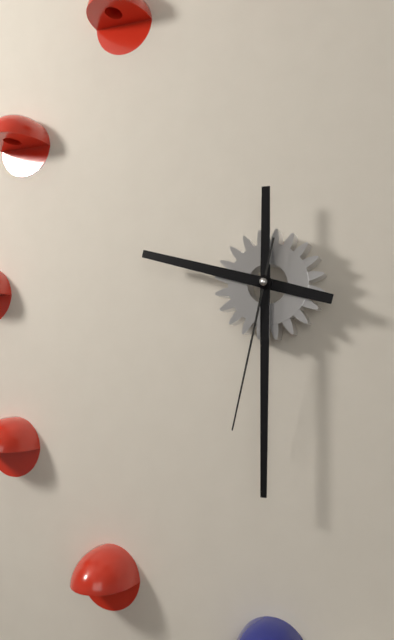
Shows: 9:30:32
